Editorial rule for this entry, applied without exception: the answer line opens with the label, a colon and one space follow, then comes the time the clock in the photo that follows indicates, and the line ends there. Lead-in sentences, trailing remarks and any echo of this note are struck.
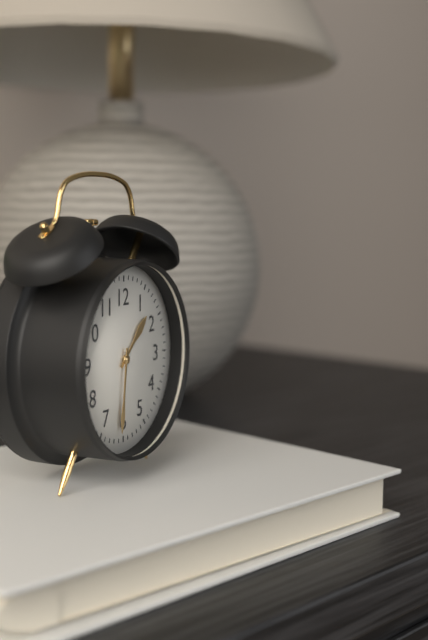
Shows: 1:31
